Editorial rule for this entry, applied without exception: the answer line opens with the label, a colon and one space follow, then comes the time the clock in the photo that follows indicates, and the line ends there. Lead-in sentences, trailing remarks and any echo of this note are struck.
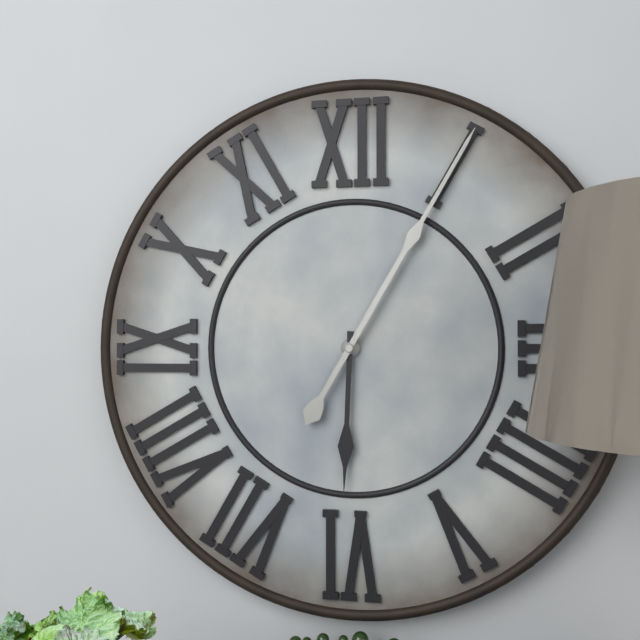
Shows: 6:05
